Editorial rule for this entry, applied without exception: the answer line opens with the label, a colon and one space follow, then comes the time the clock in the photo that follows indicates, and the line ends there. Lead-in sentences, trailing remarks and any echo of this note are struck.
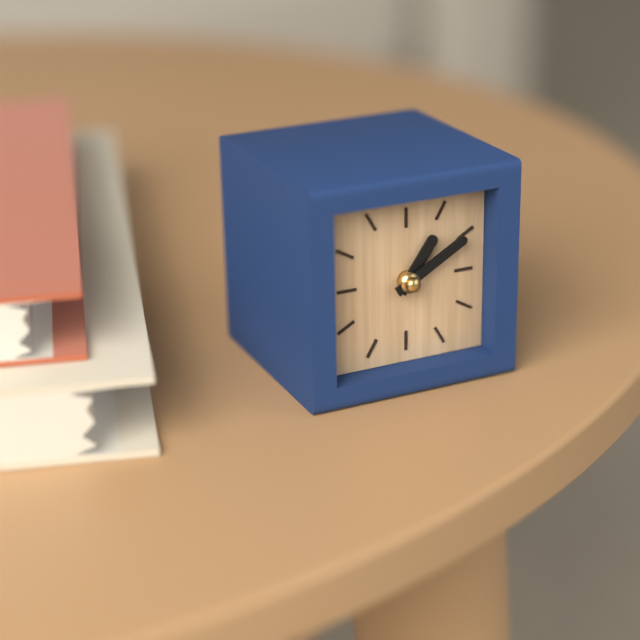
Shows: 1:10
